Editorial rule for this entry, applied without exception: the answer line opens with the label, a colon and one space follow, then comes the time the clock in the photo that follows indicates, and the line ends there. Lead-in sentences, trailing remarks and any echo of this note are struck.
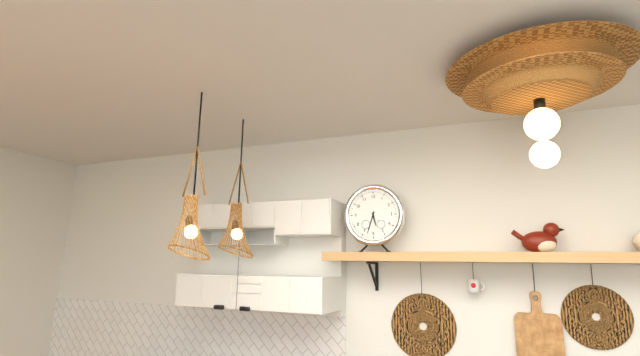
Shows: 5:33
